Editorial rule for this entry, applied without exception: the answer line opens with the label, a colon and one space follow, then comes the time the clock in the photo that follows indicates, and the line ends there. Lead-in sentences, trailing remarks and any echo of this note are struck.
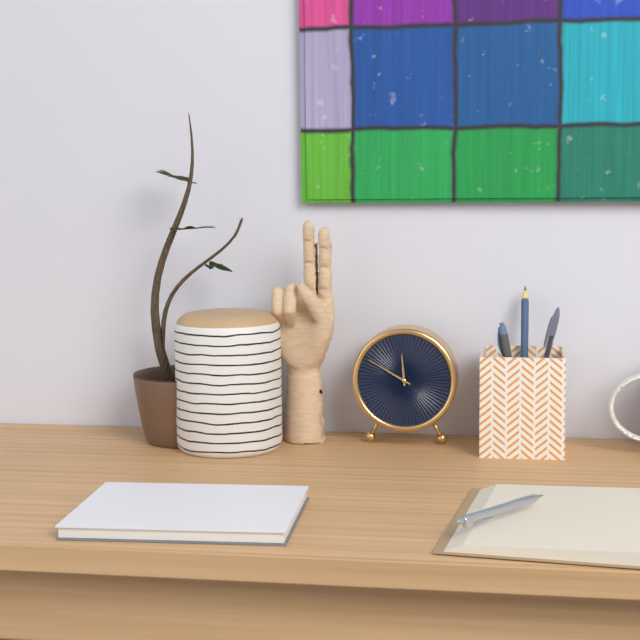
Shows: 11:50
